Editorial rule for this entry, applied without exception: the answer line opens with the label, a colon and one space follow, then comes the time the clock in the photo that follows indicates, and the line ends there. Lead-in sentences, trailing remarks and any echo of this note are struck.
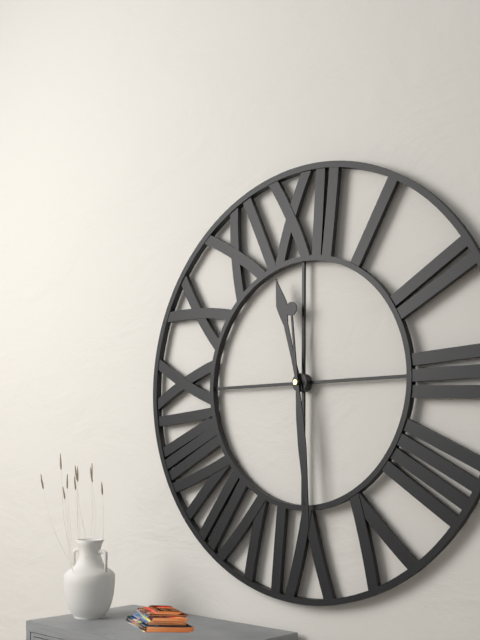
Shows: 11:29
